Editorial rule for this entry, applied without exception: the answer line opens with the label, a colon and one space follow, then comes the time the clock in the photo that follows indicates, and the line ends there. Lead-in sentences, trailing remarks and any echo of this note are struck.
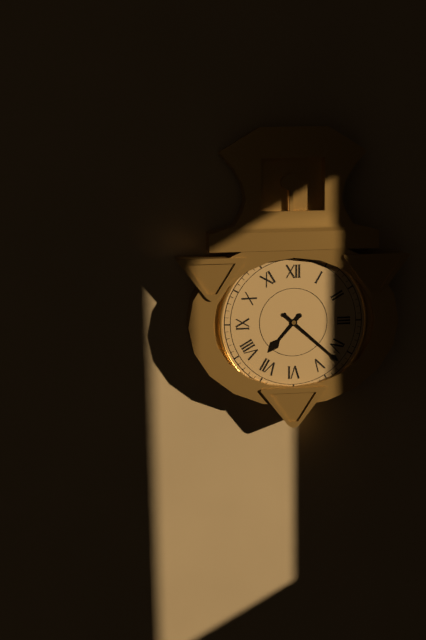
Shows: 7:22
